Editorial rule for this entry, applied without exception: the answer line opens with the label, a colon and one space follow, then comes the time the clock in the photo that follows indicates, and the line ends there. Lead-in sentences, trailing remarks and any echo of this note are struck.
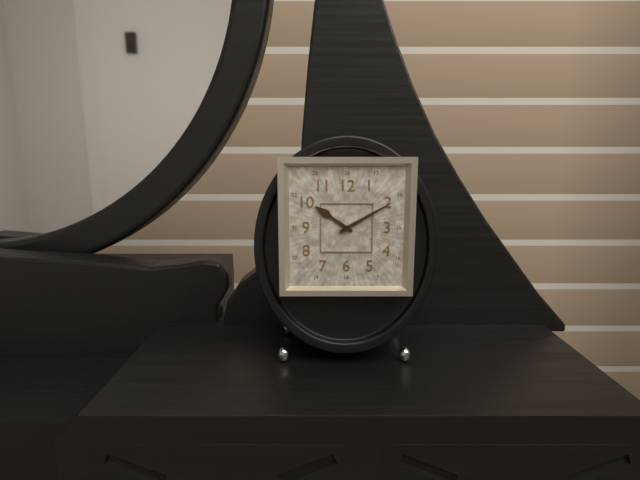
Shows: 10:10
